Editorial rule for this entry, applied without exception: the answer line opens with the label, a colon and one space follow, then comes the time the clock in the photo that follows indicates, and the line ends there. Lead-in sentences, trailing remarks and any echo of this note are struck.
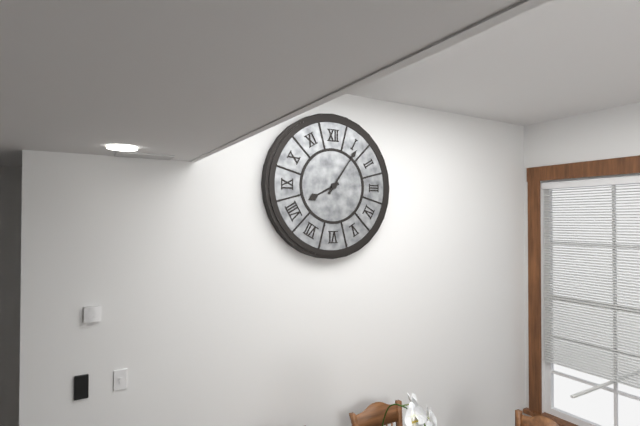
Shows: 8:06
